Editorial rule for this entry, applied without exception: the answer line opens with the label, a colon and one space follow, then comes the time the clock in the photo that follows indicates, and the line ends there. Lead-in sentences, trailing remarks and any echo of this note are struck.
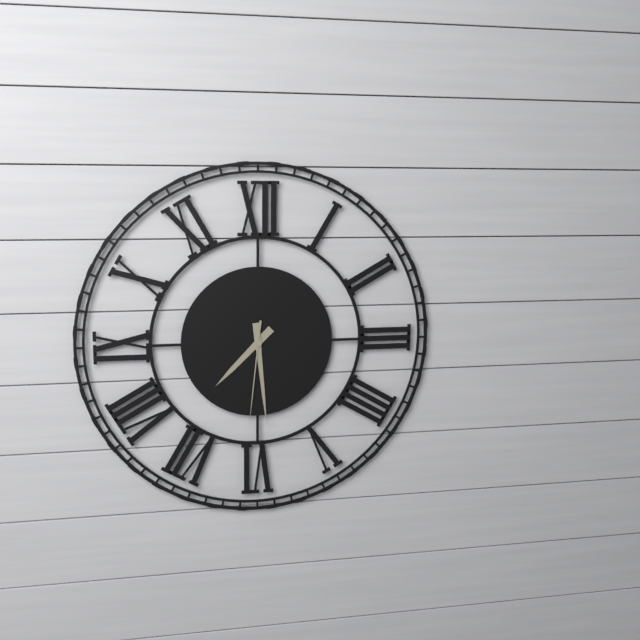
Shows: 7:29:31
